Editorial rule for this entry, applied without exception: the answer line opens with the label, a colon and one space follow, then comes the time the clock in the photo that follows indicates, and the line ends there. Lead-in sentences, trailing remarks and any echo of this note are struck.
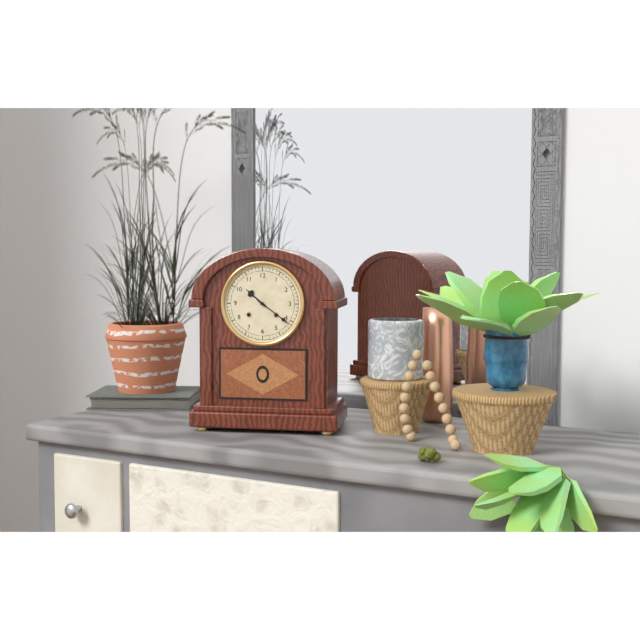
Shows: 10:21
